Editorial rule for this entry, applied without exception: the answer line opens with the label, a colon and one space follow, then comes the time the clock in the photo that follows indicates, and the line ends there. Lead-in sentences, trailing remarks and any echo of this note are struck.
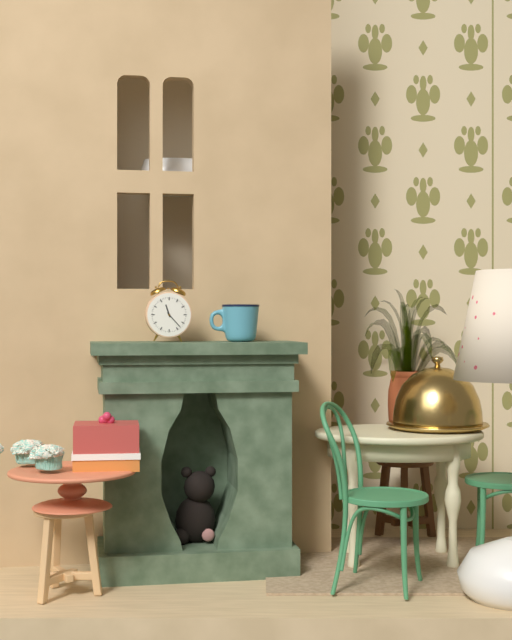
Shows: 11:23
